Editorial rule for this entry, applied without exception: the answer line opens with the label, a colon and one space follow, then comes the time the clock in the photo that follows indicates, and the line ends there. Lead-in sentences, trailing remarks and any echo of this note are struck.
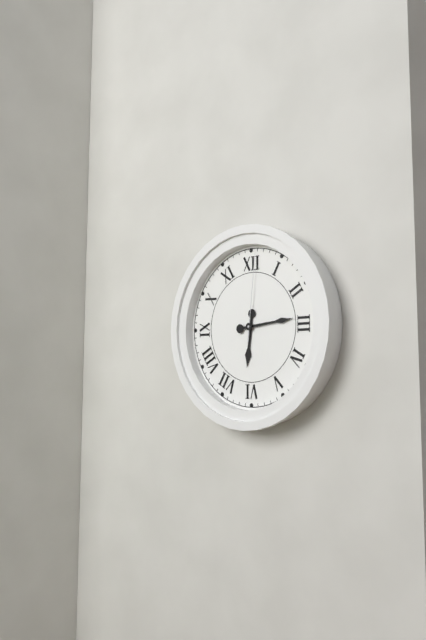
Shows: 6:14:01
